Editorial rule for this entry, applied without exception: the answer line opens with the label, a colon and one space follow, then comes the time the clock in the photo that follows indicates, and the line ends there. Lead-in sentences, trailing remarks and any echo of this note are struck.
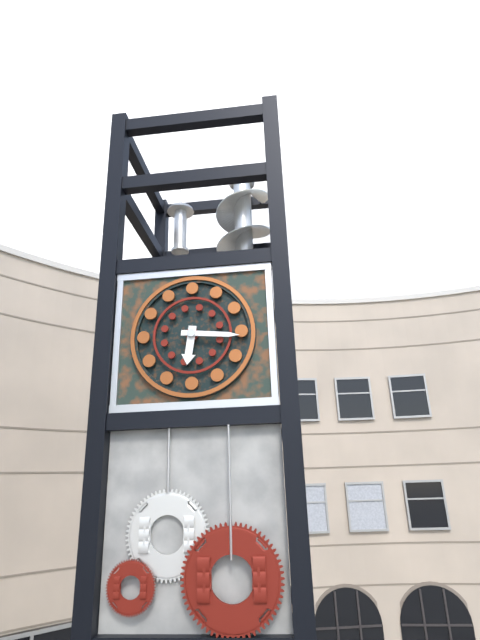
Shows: 6:16
